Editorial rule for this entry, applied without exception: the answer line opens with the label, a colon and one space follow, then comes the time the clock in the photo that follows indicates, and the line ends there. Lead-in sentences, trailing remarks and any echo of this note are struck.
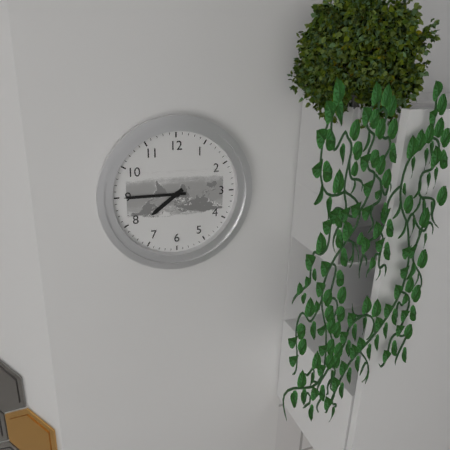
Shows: 7:45
